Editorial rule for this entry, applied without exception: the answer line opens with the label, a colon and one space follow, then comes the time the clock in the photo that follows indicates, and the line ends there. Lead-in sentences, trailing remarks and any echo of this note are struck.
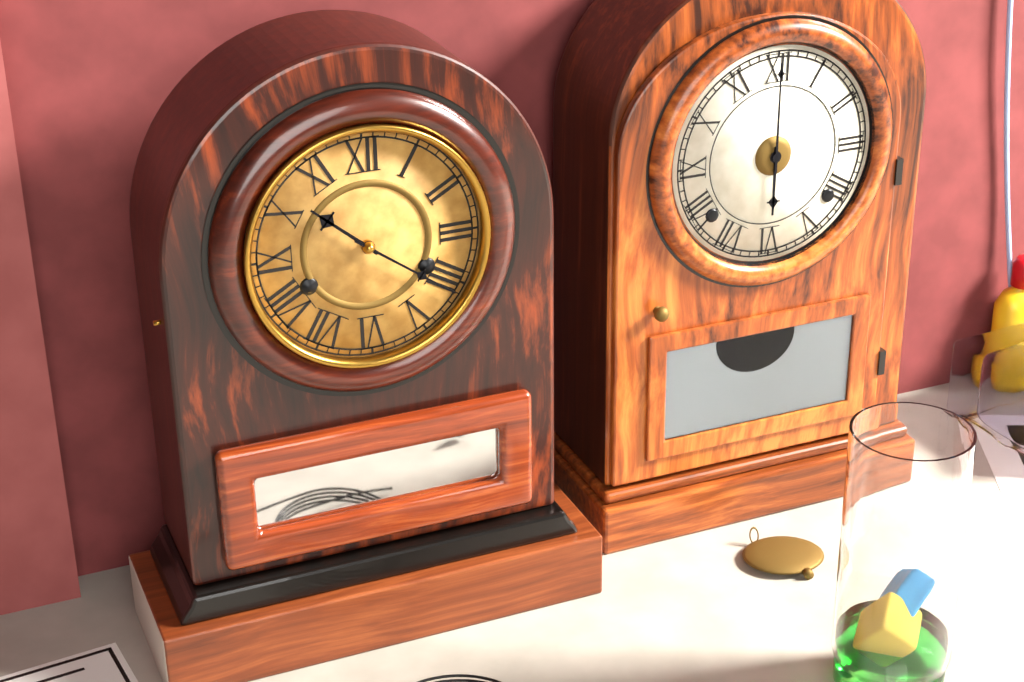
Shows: 10:21
